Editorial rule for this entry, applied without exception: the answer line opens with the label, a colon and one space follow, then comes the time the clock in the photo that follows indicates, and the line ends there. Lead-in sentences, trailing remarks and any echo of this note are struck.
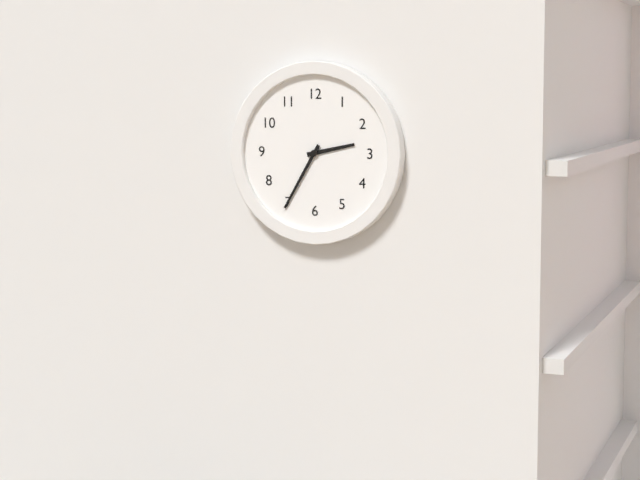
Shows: 2:35
